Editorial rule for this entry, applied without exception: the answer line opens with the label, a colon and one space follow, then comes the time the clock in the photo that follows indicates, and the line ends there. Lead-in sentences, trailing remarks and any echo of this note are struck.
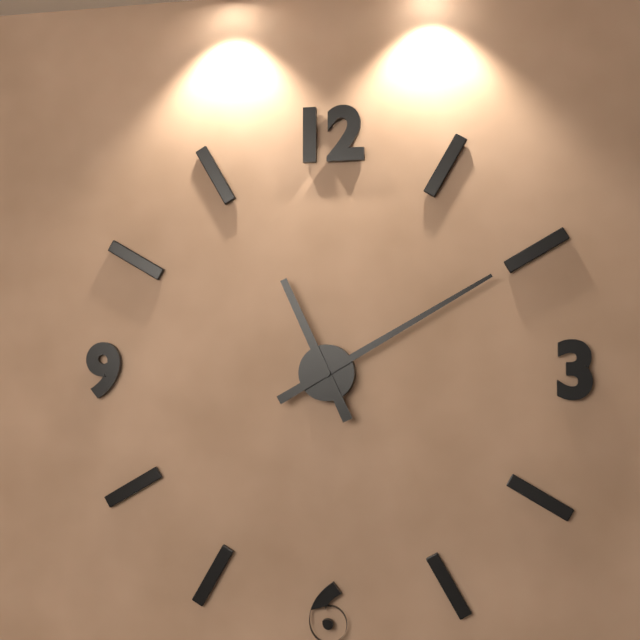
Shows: 11:10
